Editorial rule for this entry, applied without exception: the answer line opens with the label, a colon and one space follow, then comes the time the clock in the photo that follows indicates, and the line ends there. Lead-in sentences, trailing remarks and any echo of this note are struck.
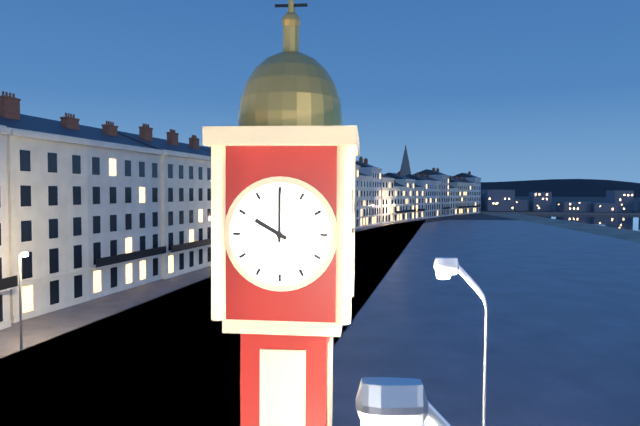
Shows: 10:00
